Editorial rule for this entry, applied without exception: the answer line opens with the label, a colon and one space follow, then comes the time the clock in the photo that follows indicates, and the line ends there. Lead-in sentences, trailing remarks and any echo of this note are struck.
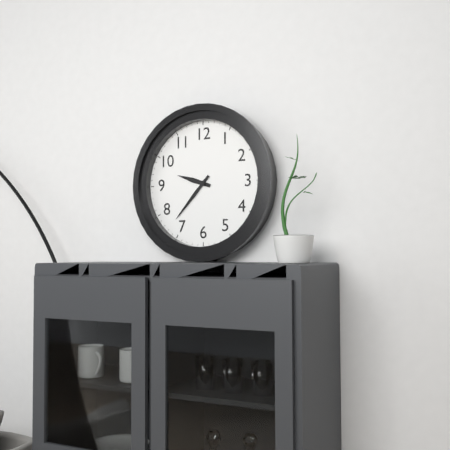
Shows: 9:37
